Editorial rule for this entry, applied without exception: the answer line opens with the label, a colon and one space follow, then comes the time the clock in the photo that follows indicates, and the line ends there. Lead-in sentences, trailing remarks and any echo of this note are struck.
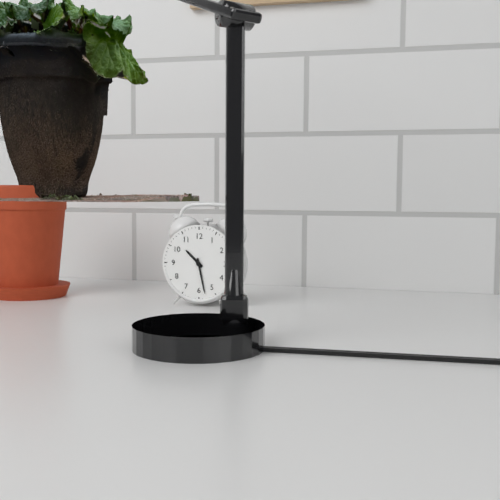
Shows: 10:28
